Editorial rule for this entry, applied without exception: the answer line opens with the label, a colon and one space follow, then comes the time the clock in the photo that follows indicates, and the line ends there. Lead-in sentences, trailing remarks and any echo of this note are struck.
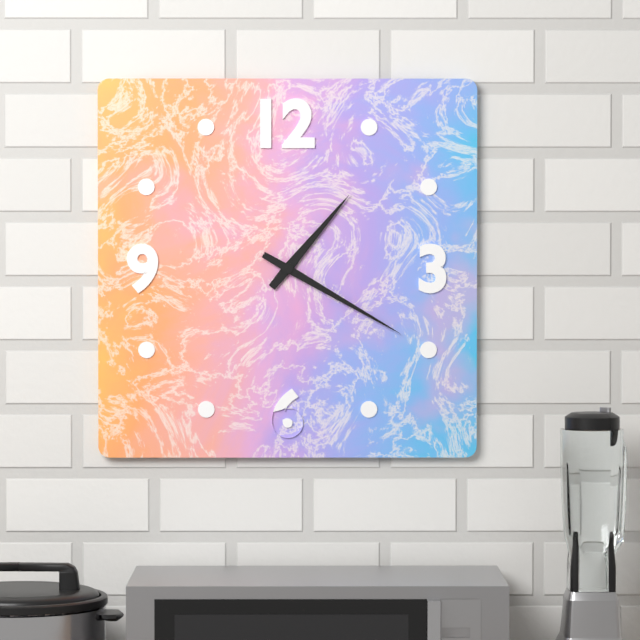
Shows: 1:20
